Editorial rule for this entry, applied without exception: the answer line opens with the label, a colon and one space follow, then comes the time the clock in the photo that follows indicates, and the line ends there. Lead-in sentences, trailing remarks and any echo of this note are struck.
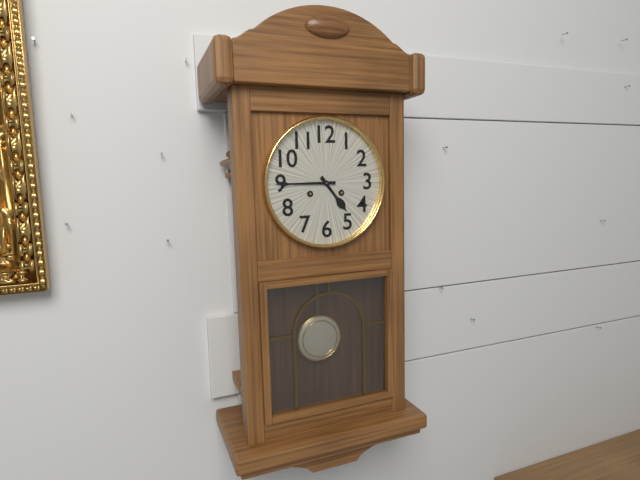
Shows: 4:45
